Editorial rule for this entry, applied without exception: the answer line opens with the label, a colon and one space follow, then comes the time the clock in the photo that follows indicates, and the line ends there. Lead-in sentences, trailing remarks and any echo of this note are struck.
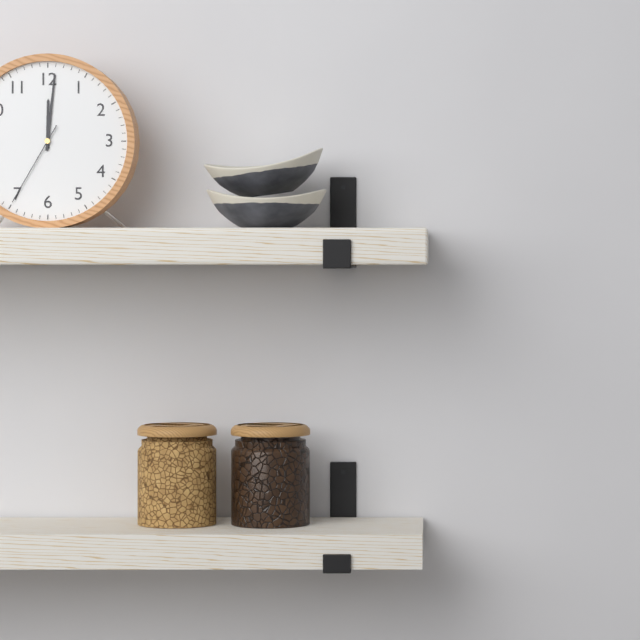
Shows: 12:01:35
